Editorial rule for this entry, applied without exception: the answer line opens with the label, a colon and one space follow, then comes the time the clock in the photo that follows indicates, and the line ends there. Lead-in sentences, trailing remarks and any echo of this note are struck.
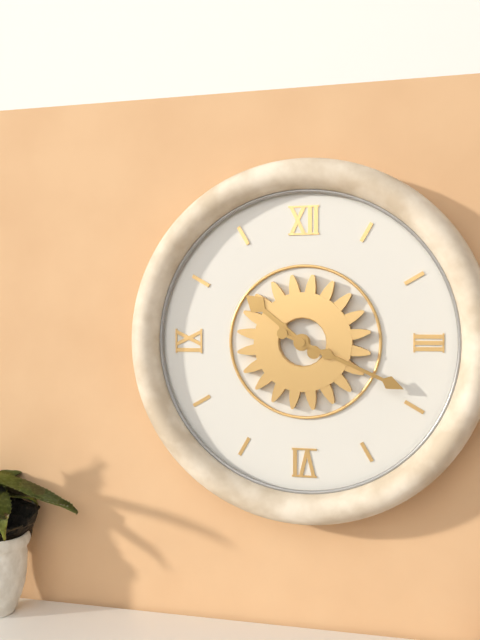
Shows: 10:19
